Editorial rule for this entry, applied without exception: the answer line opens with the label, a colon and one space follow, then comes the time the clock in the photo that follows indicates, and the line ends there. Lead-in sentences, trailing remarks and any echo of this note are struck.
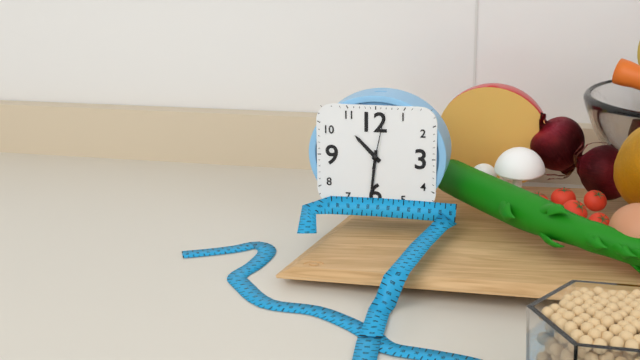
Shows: 10:31:02
